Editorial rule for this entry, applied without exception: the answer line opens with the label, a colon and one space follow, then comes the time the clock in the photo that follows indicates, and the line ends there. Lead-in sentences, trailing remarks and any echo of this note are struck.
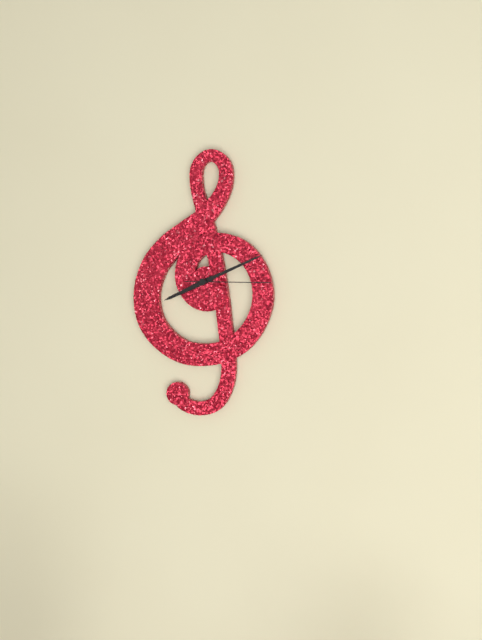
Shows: 8:11:15
